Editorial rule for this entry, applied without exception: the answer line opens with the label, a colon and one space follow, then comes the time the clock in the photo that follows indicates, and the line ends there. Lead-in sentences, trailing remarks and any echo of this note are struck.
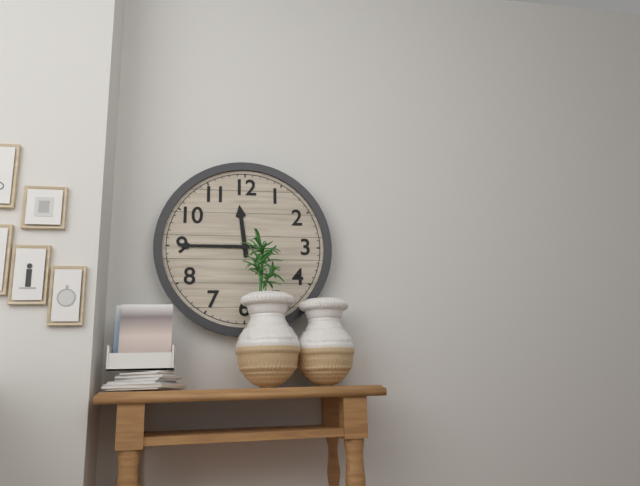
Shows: 11:45
